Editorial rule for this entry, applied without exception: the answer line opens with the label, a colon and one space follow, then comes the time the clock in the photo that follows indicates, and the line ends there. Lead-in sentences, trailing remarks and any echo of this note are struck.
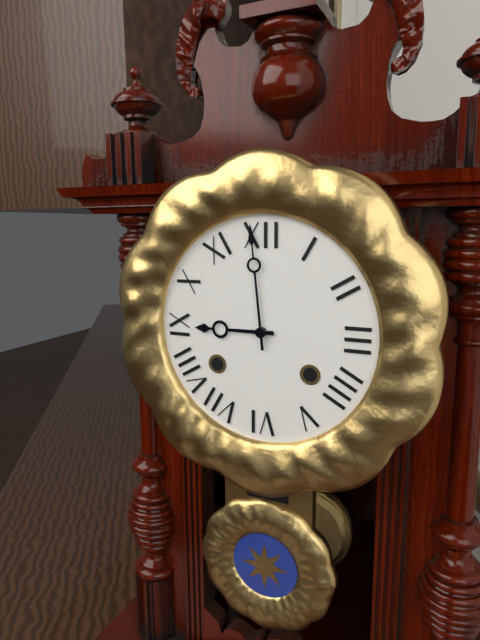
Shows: 8:59
